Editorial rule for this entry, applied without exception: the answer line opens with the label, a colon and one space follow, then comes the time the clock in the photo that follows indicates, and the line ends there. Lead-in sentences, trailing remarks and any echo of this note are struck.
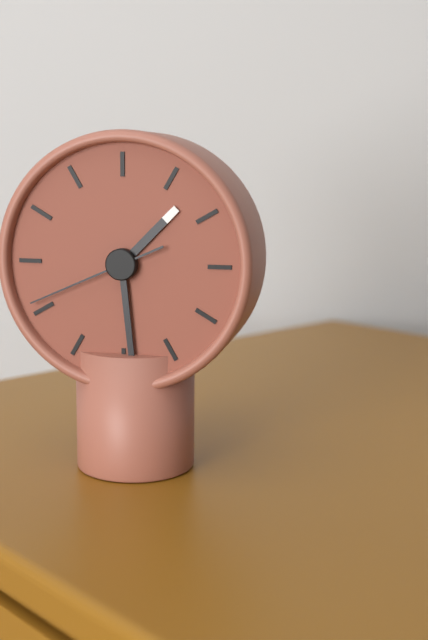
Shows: 1:29:41
